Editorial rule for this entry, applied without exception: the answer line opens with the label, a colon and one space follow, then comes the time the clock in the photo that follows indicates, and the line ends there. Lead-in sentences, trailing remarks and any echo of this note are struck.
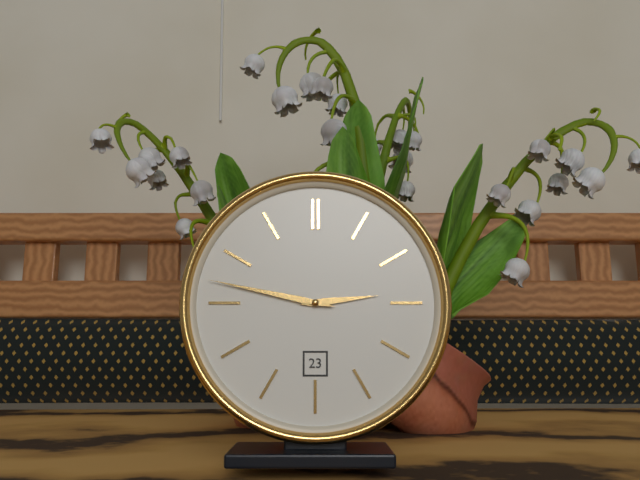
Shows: 2:47
